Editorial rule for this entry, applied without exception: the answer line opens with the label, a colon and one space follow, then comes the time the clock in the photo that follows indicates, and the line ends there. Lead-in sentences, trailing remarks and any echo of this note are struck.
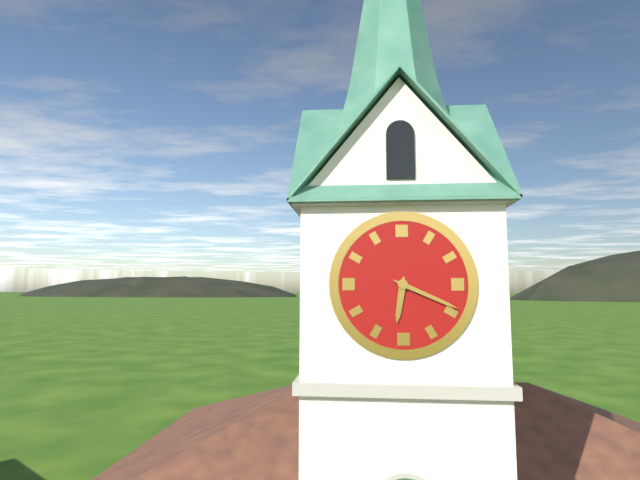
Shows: 6:19
